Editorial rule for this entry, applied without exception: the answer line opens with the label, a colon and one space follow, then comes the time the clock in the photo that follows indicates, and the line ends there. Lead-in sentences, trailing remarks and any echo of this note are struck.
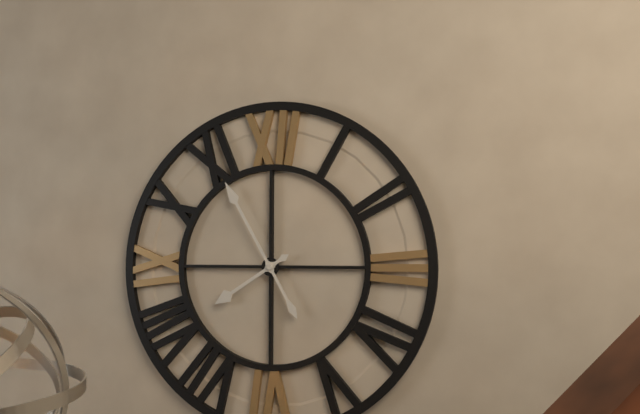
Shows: 7:55
